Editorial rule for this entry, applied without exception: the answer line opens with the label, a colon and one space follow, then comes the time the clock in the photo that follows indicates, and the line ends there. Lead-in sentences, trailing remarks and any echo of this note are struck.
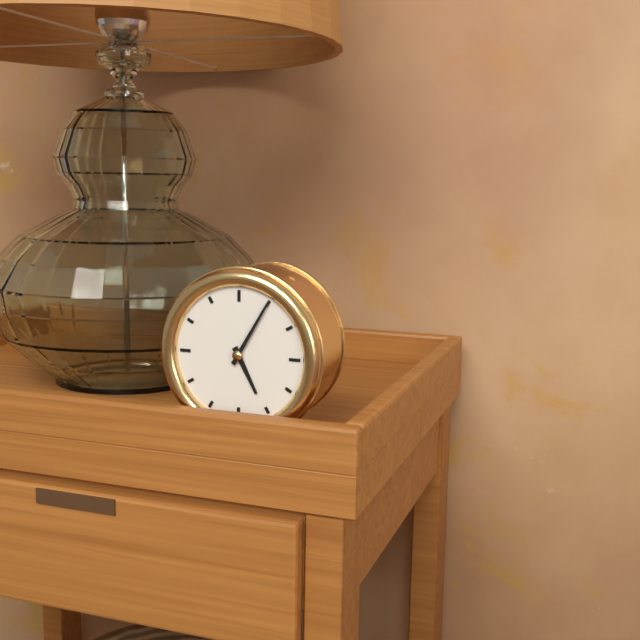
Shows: 5:05
